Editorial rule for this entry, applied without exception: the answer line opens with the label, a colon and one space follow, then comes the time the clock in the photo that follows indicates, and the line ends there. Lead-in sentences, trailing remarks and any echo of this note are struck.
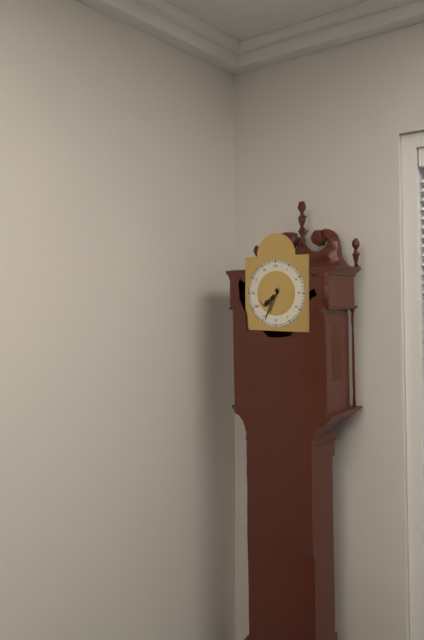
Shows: 7:34
